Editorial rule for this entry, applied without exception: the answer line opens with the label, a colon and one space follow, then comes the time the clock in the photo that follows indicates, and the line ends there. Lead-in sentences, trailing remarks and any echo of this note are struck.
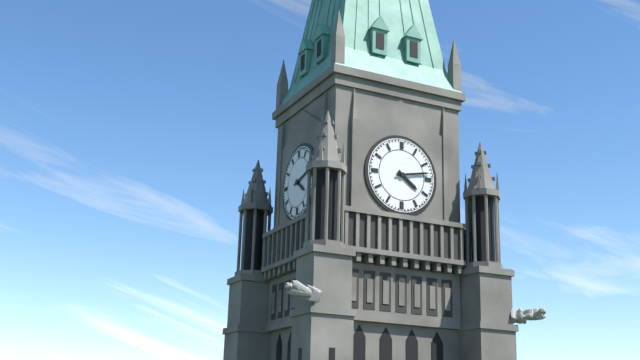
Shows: 4:13
